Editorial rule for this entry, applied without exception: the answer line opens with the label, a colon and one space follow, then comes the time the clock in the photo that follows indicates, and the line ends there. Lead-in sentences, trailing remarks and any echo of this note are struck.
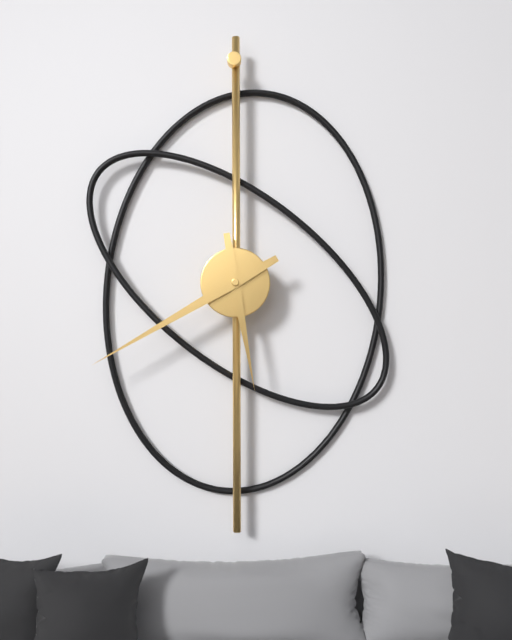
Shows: 5:40
